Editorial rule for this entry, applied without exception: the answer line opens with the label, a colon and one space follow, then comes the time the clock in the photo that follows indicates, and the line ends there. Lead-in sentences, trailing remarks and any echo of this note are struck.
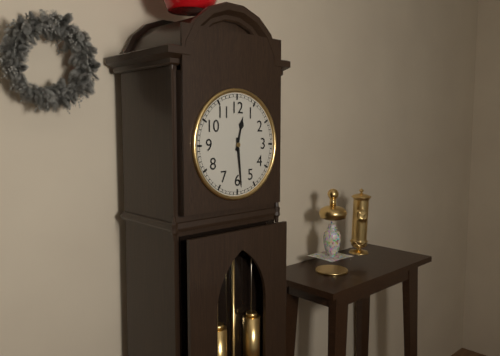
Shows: 12:29
